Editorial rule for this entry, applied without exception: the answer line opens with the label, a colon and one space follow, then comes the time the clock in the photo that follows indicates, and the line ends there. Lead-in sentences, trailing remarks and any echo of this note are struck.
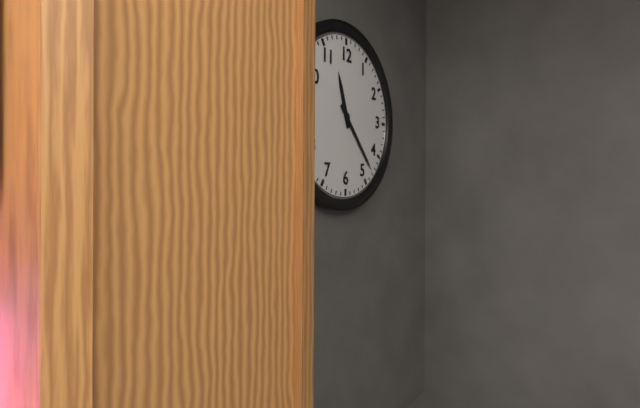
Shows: 11:23
